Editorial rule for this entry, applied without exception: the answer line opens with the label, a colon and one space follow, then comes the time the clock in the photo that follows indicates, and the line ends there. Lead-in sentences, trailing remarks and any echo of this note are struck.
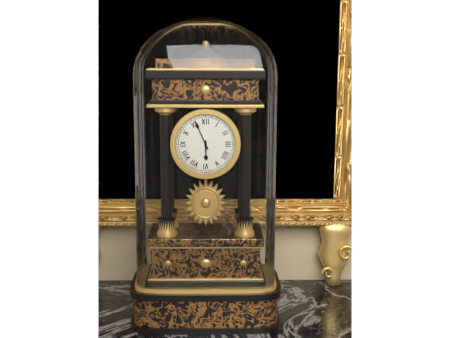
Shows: 5:56
